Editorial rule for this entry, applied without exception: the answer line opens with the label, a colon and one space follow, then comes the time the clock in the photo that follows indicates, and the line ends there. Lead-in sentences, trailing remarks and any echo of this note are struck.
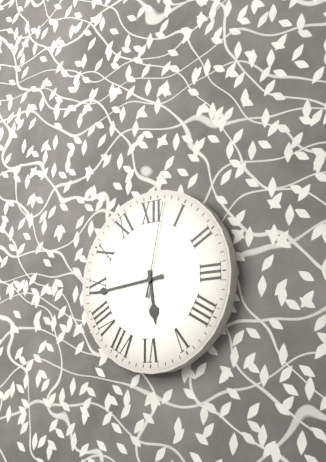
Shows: 5:44:02
